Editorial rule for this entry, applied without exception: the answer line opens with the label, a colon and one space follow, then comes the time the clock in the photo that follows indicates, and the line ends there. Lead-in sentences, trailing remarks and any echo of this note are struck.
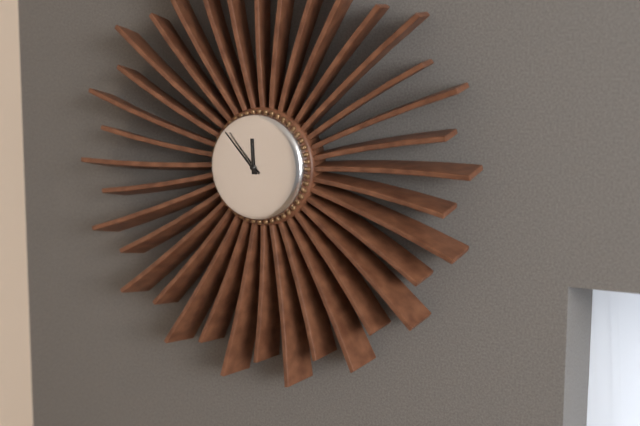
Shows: 11:53
